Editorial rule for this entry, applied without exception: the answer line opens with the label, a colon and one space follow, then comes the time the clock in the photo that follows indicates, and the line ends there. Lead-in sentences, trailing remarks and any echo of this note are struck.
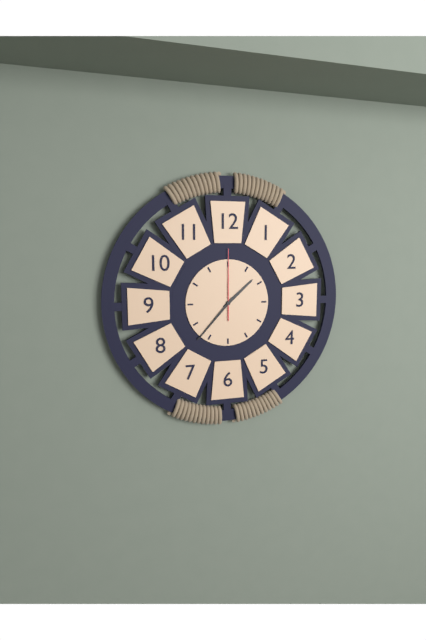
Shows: 1:37:00
